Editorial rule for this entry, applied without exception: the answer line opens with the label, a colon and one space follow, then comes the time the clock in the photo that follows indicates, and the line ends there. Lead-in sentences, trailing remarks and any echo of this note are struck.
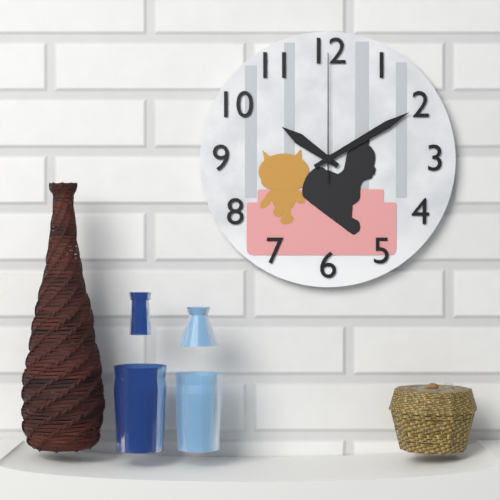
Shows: 10:10:00
